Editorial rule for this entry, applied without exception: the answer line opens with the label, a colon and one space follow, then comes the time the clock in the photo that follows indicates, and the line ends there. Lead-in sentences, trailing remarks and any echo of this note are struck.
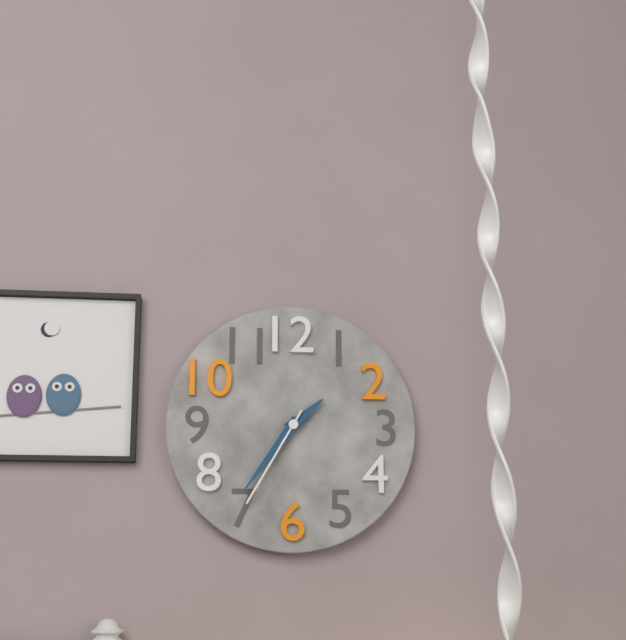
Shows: 1:36:35
